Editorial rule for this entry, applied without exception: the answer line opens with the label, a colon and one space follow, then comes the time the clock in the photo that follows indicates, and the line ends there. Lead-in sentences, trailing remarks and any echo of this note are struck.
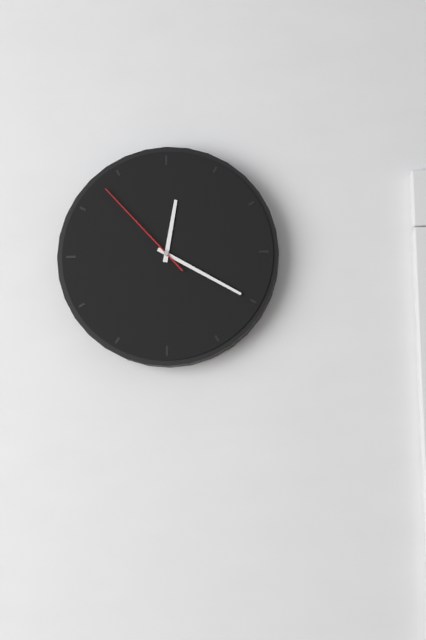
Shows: 12:20:53
